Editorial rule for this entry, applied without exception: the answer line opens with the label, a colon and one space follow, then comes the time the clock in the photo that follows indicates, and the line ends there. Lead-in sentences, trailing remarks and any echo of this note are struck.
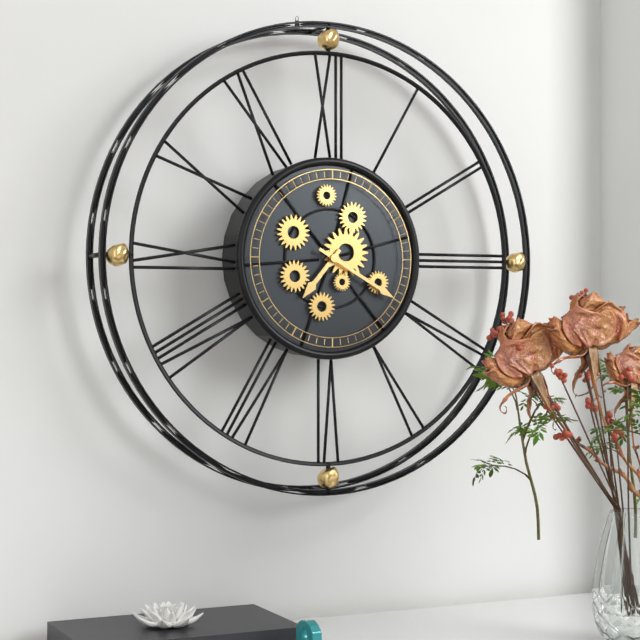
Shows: 7:20
